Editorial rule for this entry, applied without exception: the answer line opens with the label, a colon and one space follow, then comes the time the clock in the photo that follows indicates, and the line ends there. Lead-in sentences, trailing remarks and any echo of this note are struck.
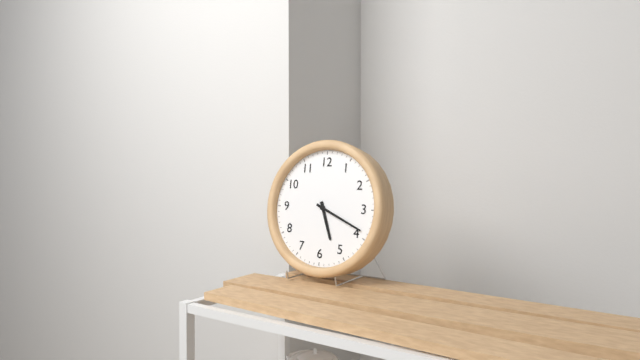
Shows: 5:19
